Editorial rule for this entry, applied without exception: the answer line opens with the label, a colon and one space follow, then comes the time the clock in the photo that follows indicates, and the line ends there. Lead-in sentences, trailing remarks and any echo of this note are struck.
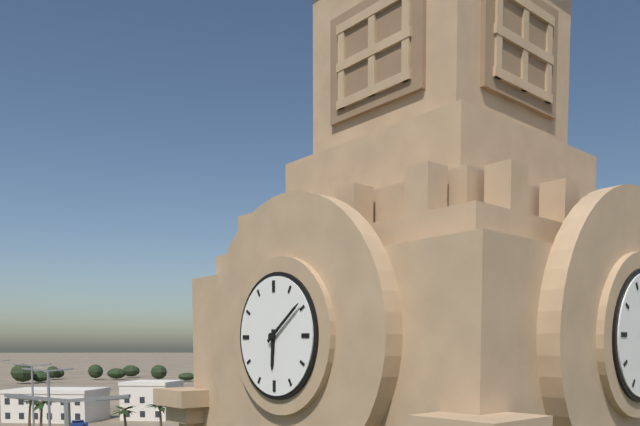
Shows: 6:09
